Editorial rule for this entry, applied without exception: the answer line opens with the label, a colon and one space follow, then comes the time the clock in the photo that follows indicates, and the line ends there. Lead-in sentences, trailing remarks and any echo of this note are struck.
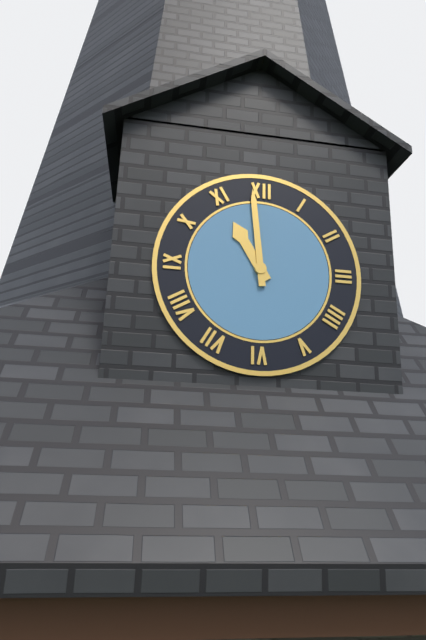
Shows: 10:59
